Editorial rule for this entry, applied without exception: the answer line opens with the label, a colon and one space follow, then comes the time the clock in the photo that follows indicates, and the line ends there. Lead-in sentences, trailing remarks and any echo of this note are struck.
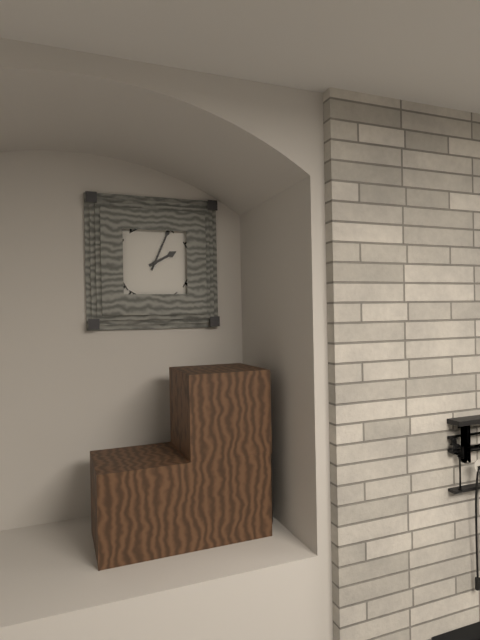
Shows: 2:04
